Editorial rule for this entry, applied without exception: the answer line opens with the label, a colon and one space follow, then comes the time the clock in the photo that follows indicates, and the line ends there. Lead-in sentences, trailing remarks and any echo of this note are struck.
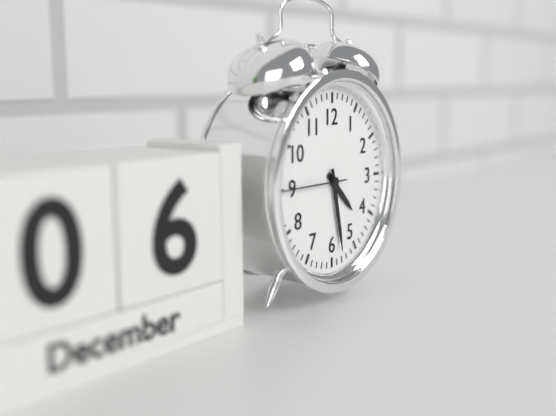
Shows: 4:28:45
